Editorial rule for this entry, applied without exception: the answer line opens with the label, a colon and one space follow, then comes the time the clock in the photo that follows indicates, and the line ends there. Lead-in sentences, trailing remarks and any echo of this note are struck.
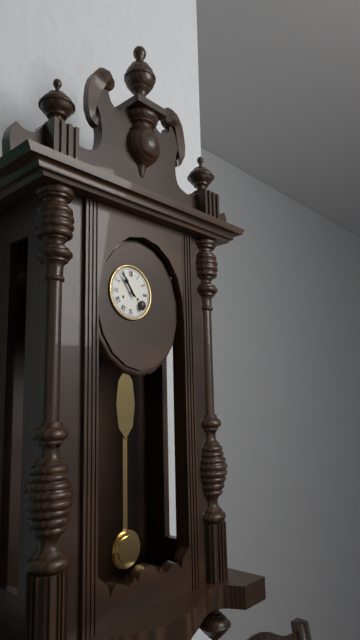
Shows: 10:54
